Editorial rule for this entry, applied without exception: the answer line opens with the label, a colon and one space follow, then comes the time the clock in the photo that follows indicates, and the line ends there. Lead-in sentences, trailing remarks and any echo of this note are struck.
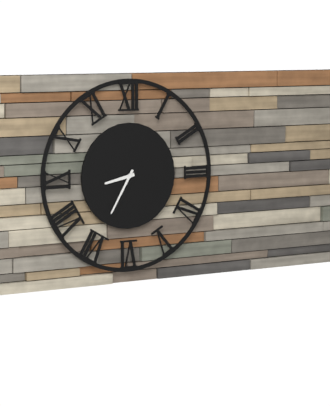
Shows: 8:35
